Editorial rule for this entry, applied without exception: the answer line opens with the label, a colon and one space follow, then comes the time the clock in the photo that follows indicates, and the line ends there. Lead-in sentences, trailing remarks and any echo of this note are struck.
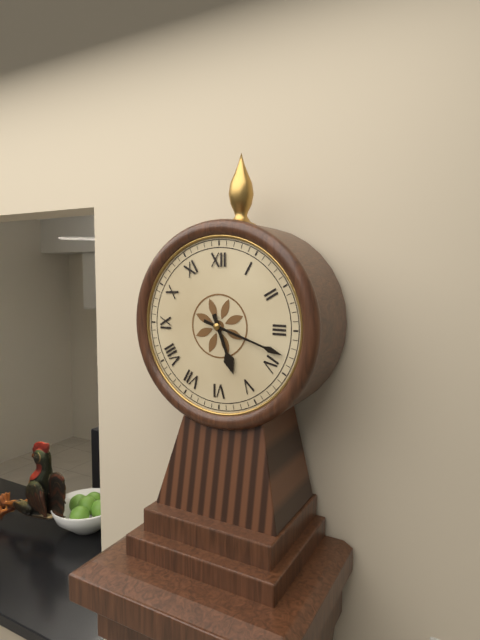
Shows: 5:18
